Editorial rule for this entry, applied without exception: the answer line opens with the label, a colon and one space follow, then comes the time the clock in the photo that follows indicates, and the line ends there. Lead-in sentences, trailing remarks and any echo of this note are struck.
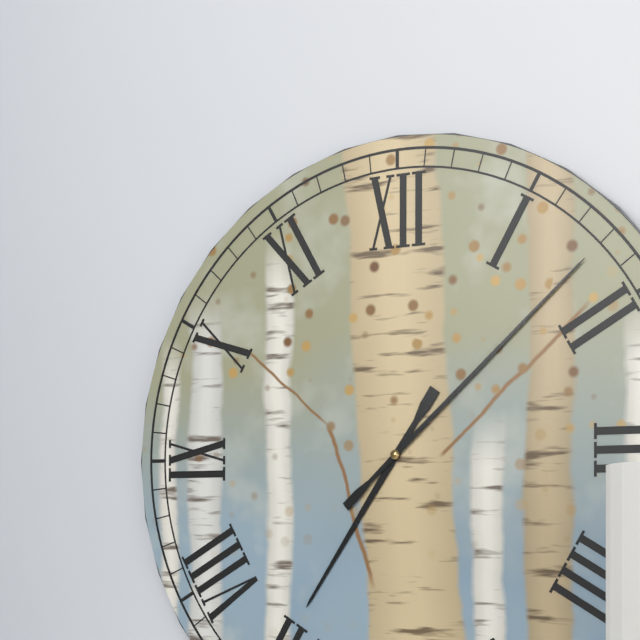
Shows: 7:08
